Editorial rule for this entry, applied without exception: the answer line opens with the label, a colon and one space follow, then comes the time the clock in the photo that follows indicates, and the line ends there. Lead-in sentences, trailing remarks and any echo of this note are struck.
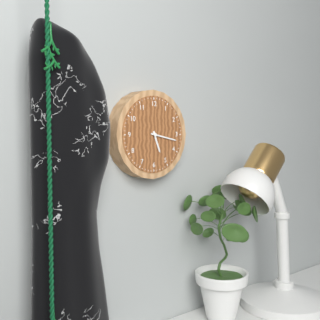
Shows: 5:17
